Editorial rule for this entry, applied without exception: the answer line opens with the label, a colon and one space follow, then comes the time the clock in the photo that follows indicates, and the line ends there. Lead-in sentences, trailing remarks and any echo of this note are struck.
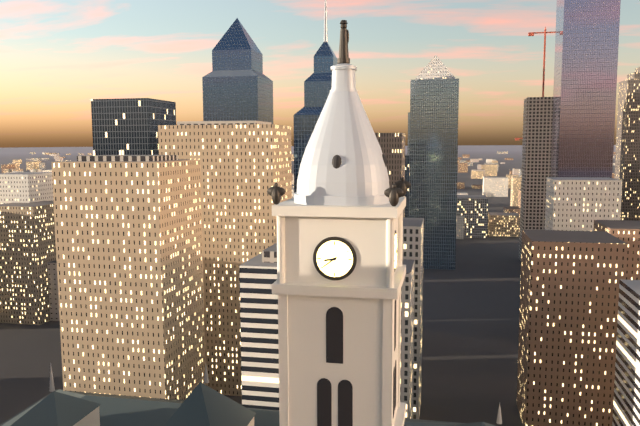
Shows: 8:39
